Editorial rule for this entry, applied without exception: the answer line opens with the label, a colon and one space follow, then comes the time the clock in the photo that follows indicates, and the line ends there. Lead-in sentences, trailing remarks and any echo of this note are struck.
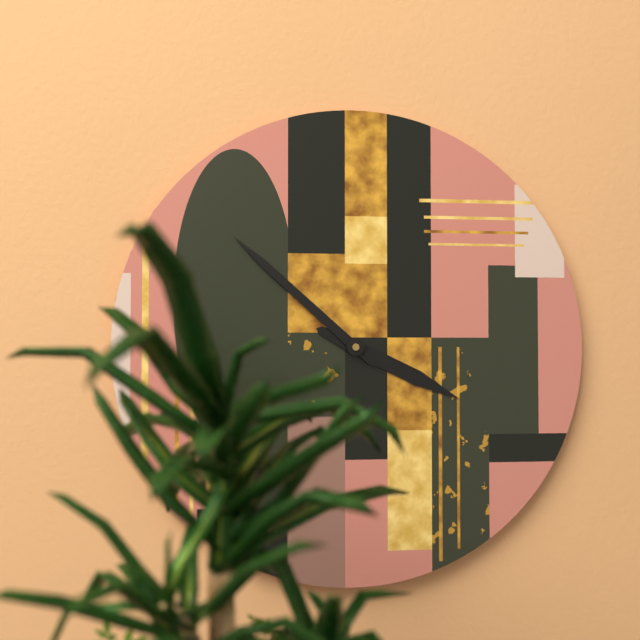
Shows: 3:52
